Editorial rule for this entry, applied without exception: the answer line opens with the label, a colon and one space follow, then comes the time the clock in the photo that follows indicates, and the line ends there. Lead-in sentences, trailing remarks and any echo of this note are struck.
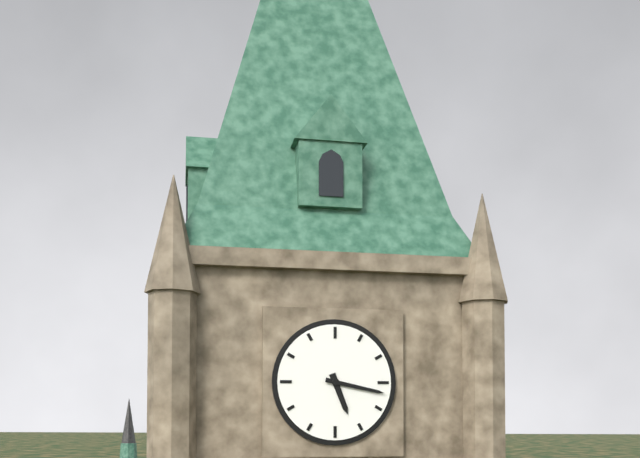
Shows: 5:17
